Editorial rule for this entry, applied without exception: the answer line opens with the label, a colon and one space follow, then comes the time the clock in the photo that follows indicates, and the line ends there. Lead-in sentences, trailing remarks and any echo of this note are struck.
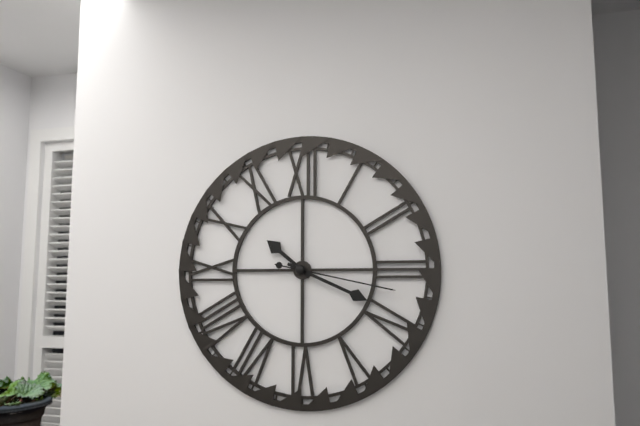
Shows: 10:19:17
